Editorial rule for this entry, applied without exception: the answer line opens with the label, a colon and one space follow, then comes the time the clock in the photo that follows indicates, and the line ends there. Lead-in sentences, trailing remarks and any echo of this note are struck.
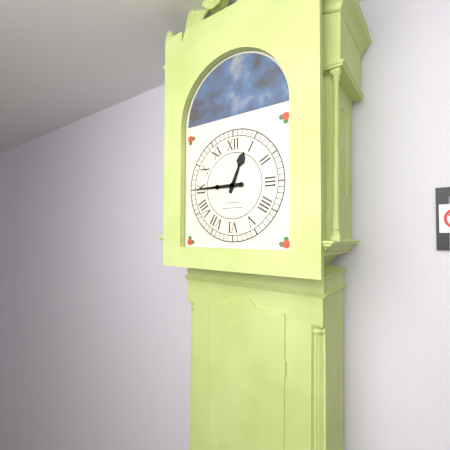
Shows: 12:45
